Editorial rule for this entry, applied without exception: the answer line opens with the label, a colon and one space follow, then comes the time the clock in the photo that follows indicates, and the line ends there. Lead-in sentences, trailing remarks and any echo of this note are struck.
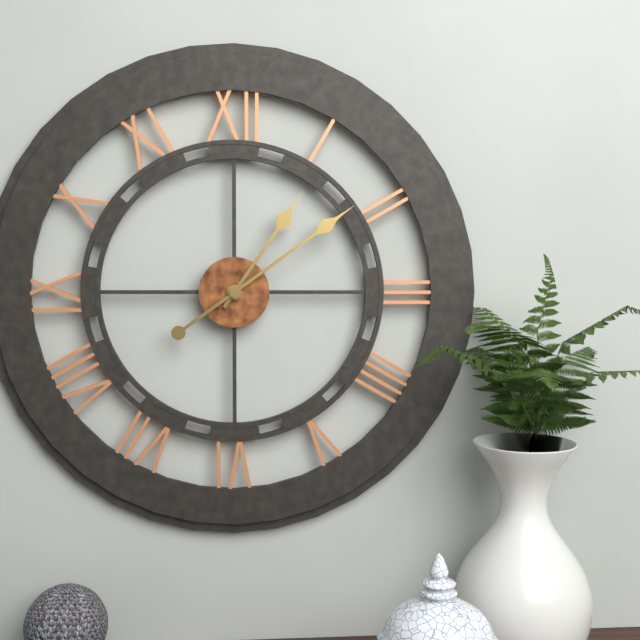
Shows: 1:09
